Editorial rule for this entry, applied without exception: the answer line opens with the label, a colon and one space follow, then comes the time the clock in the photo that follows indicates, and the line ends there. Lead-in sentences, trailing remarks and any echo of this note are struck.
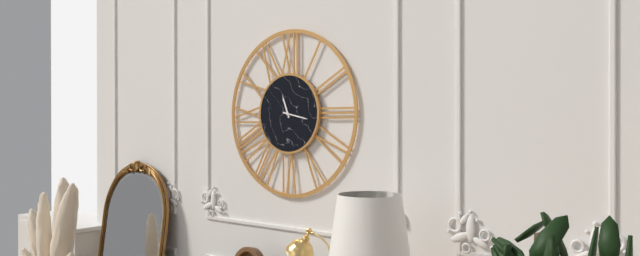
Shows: 11:17
